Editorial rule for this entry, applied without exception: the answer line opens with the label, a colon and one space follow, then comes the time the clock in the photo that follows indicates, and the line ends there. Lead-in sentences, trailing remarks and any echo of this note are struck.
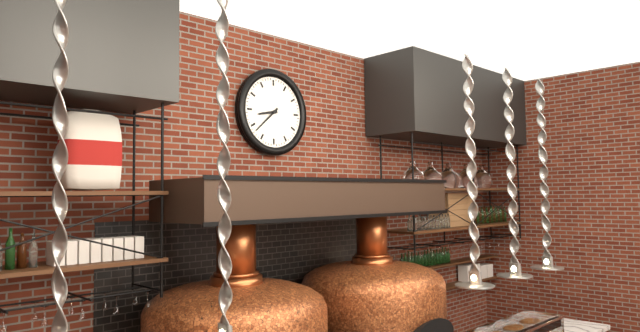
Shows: 8:38
